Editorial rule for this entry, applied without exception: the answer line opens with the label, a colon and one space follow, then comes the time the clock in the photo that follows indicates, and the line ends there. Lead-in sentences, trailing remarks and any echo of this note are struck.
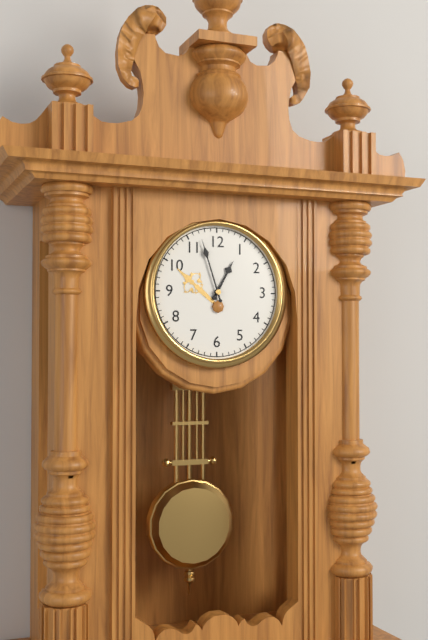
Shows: 12:57
